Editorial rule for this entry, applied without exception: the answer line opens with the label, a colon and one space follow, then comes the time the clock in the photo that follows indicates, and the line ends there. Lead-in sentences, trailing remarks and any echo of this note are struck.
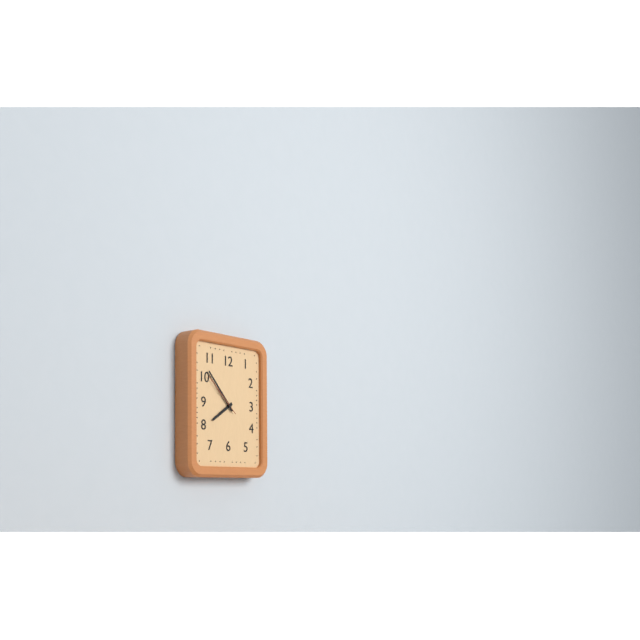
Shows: 7:53
